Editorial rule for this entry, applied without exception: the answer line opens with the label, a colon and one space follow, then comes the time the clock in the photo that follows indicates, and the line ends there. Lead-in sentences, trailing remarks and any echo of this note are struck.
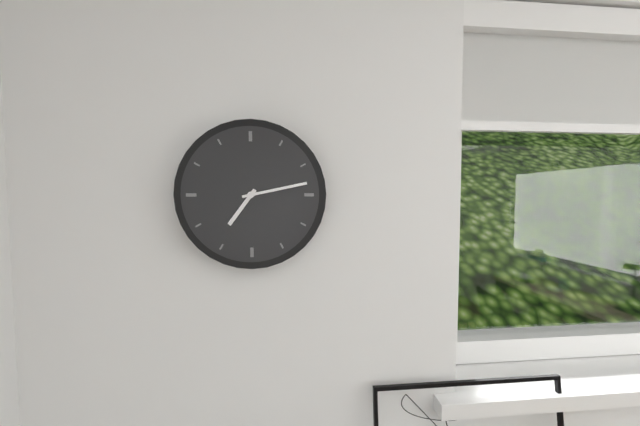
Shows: 7:13
